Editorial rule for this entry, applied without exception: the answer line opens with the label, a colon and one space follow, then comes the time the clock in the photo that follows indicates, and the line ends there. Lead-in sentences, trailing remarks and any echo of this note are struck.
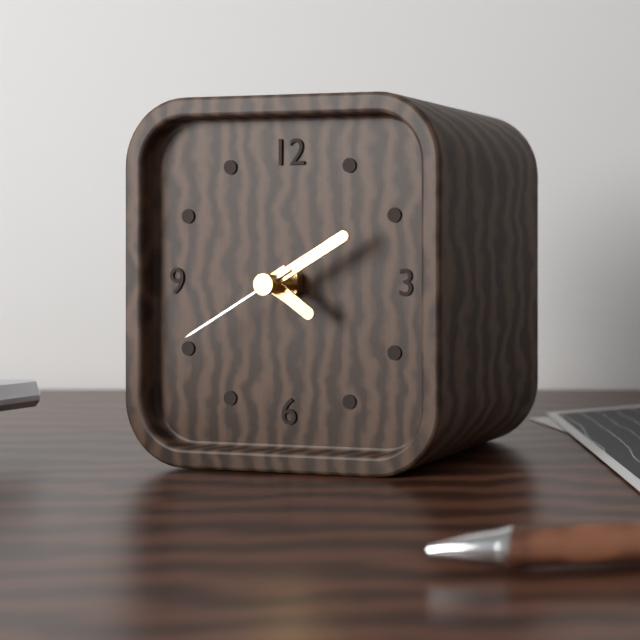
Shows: 4:10:40
